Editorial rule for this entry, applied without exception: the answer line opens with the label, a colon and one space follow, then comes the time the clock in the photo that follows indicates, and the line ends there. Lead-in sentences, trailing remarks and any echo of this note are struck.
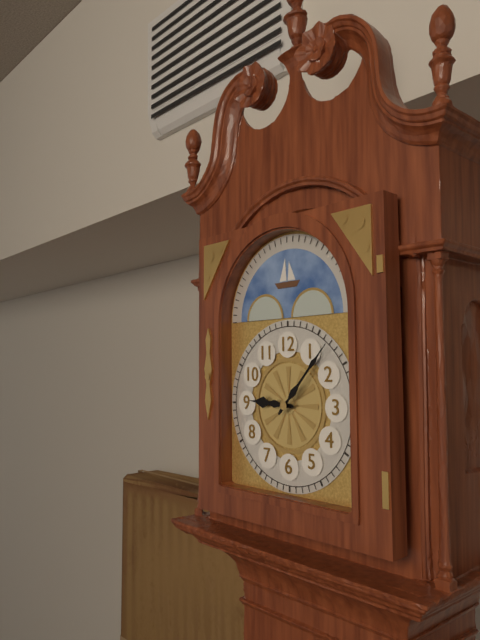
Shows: 9:07
